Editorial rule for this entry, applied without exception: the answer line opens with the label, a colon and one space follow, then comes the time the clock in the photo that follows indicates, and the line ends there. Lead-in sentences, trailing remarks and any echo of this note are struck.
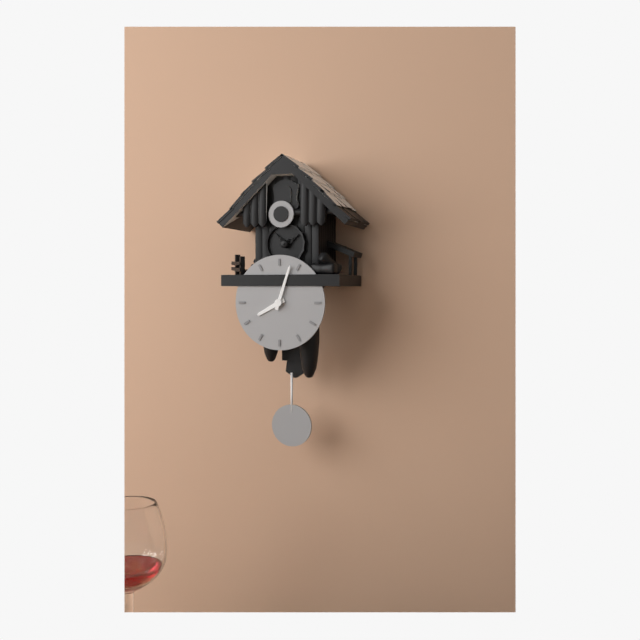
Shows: 8:03
